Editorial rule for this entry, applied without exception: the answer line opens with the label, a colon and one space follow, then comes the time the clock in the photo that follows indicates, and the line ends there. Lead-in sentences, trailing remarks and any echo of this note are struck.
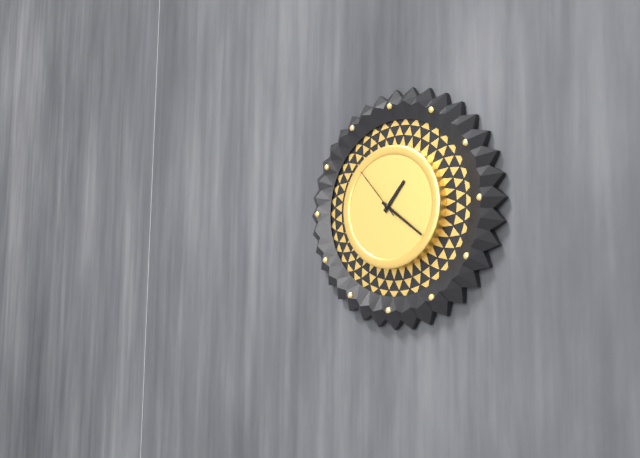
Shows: 1:21:53
